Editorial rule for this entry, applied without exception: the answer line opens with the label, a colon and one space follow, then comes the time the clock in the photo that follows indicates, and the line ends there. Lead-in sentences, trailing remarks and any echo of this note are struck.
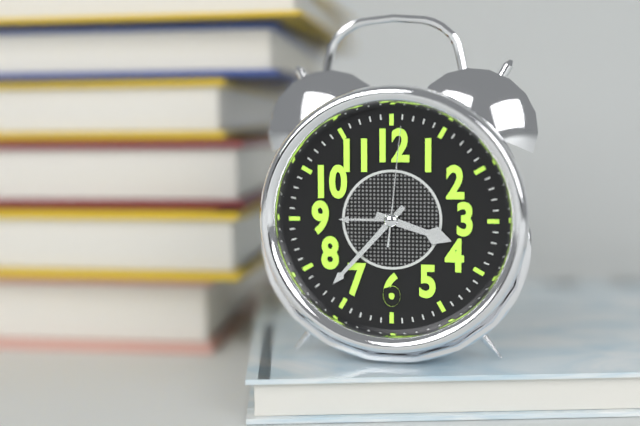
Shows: 3:37:01
